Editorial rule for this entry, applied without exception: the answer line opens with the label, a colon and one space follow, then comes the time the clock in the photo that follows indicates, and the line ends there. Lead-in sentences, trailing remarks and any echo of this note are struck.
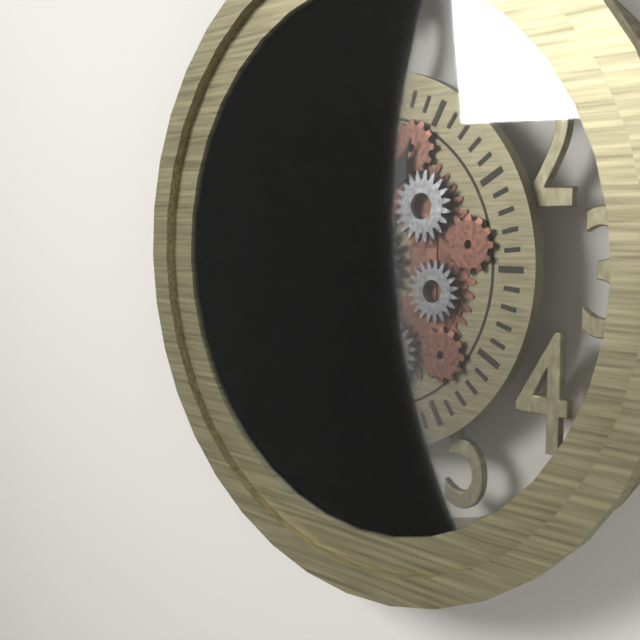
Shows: 12:54
